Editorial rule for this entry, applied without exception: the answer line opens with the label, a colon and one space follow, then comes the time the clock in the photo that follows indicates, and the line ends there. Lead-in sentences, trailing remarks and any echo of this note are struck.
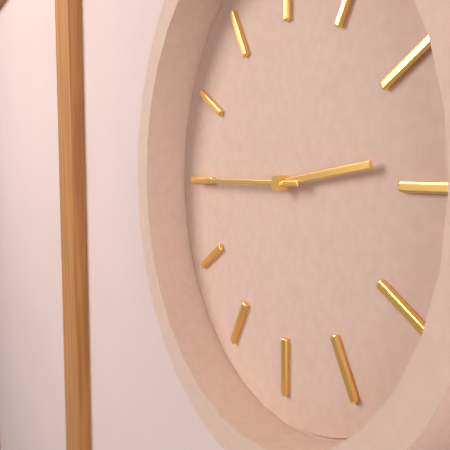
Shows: 2:45
